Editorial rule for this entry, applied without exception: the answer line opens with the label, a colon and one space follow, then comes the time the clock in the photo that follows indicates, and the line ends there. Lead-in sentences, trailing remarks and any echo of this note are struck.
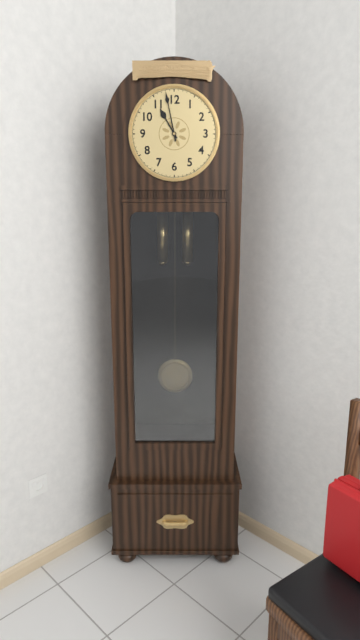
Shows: 10:58
